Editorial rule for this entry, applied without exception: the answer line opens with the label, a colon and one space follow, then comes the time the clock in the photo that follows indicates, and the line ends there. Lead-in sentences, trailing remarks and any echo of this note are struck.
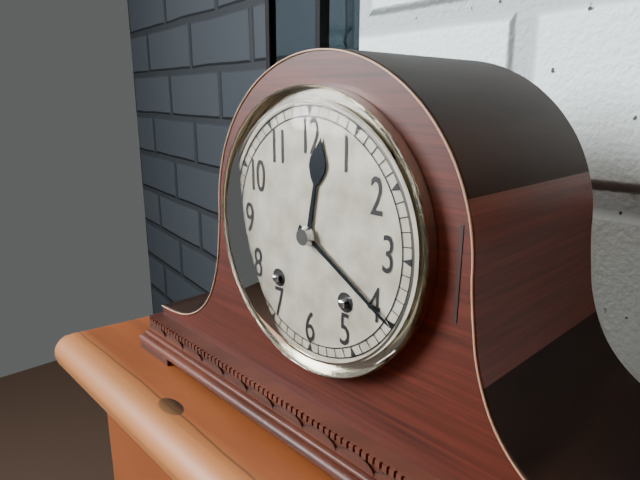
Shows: 12:20
